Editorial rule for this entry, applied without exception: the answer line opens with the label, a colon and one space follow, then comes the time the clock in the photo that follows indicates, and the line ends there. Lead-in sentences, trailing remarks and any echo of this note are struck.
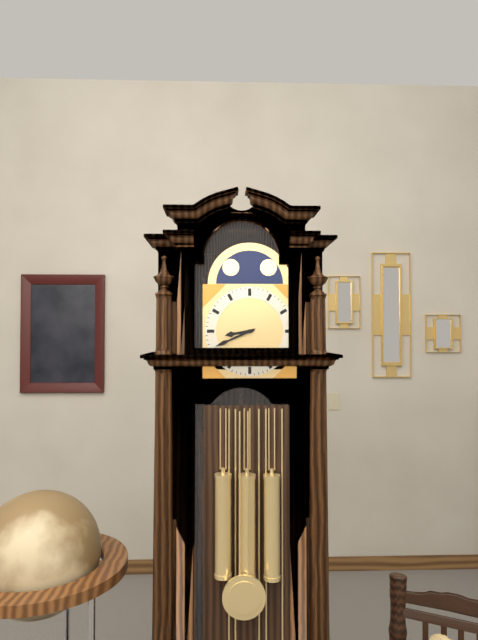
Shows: 8:41
